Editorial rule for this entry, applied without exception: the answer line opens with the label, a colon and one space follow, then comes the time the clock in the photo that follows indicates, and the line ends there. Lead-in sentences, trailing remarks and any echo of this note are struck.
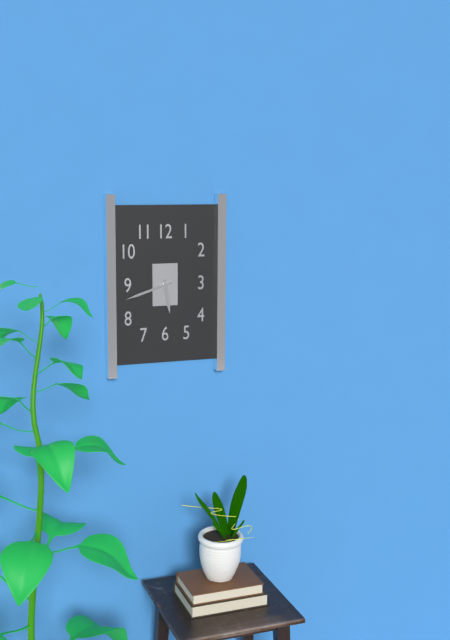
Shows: 5:42
